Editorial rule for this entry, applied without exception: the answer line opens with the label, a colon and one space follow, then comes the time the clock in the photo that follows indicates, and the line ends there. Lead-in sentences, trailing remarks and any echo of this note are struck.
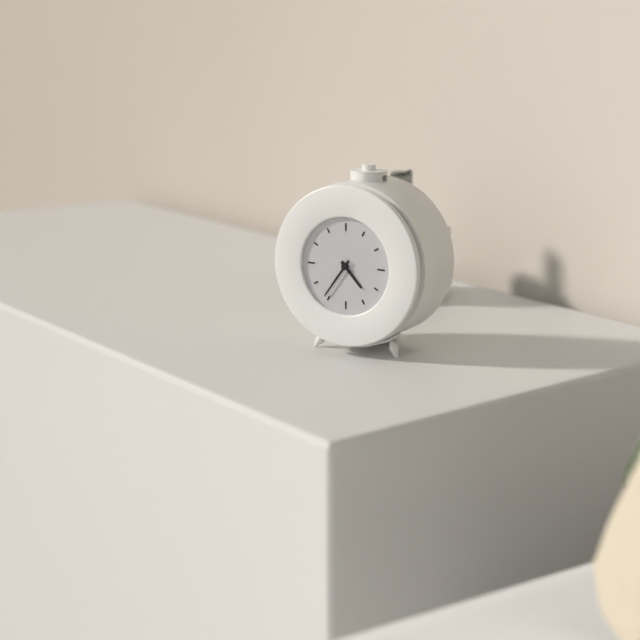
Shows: 4:36
